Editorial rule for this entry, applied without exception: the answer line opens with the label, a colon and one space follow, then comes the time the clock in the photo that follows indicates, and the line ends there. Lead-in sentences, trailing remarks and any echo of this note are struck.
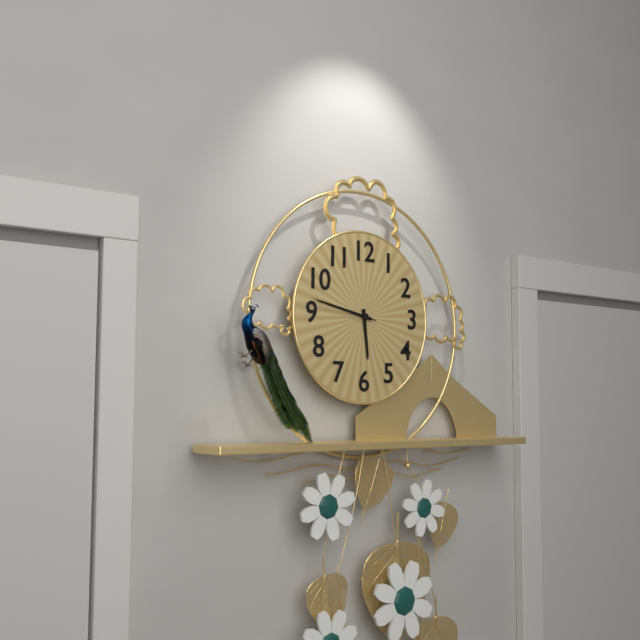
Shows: 5:47:47
